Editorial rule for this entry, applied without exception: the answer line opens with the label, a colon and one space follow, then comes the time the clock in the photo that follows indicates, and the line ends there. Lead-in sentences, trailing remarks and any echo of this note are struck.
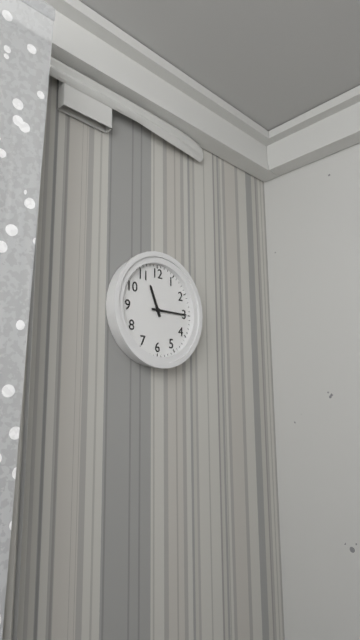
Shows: 11:15
